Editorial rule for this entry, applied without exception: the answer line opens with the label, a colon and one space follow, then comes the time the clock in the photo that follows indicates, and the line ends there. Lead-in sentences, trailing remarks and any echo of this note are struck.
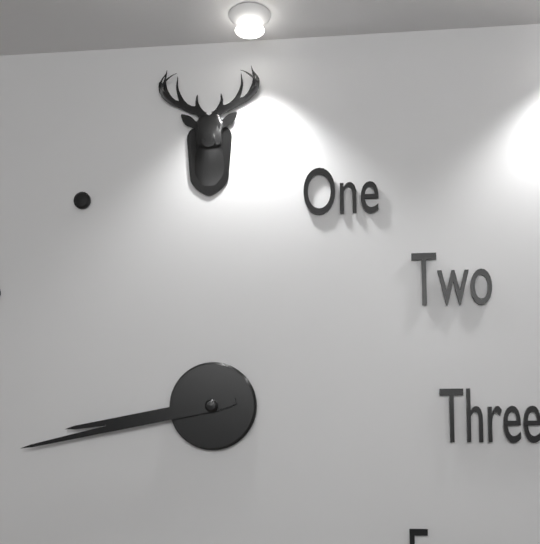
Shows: 8:43
